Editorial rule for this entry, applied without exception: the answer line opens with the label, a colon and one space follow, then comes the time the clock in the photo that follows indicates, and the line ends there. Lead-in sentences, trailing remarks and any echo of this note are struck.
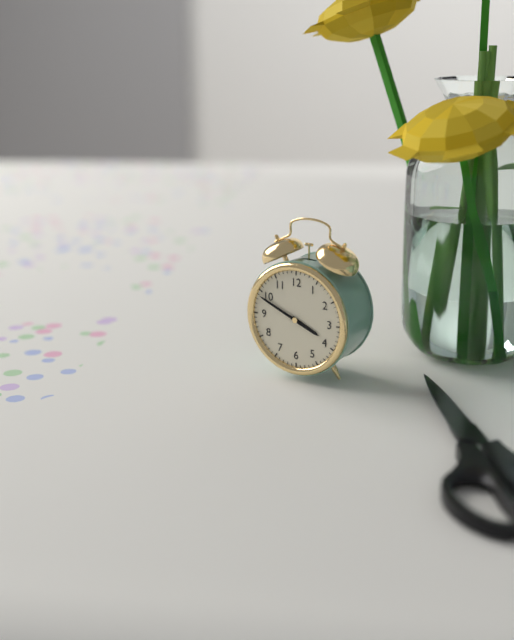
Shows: 3:49
